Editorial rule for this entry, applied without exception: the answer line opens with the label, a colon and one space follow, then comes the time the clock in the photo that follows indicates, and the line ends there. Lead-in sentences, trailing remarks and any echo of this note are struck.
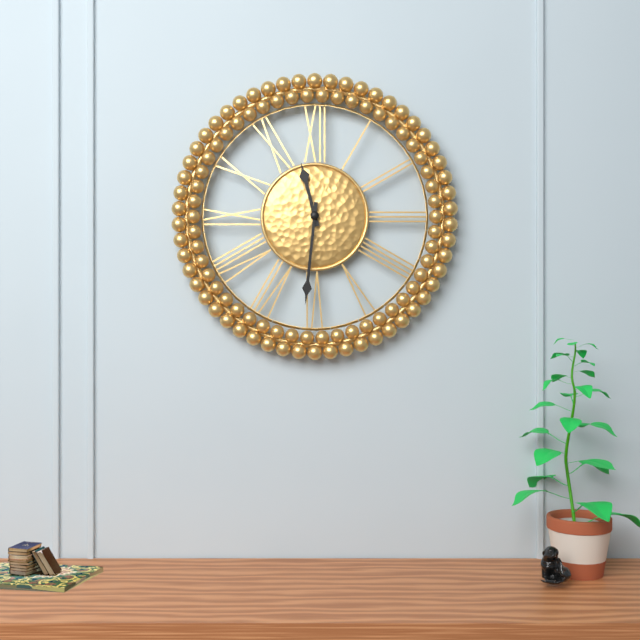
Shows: 11:31
